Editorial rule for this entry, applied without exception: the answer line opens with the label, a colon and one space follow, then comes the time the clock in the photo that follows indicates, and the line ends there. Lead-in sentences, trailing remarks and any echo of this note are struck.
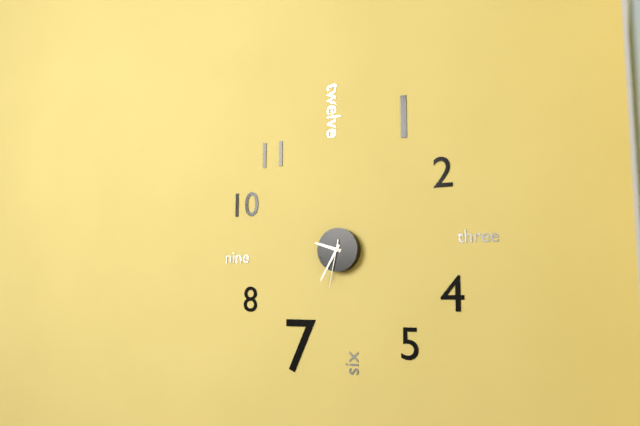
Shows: 9:35
